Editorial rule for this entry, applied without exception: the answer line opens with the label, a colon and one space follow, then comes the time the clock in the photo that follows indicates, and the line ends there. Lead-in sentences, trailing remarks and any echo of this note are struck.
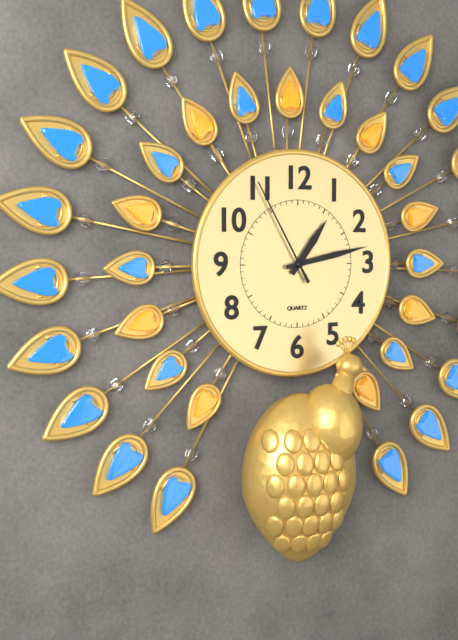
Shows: 1:13:55
